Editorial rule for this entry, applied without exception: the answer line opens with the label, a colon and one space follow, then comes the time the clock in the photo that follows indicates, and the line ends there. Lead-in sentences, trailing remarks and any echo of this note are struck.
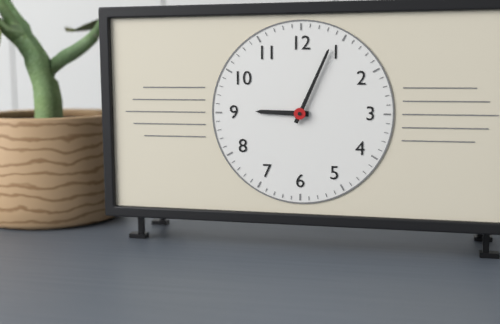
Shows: 9:04
